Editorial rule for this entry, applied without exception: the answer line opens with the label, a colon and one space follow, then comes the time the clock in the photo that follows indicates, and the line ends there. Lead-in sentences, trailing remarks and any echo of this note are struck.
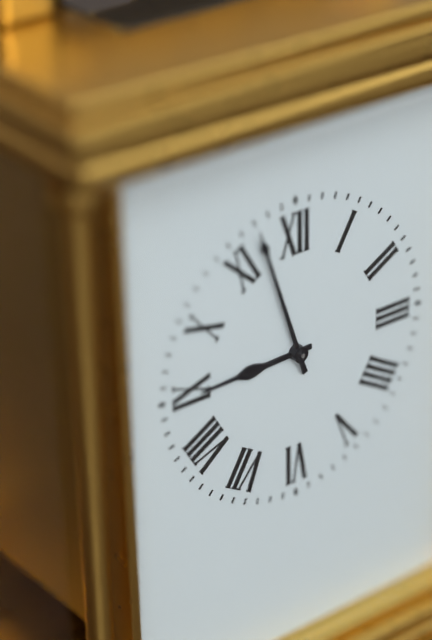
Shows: 8:57
